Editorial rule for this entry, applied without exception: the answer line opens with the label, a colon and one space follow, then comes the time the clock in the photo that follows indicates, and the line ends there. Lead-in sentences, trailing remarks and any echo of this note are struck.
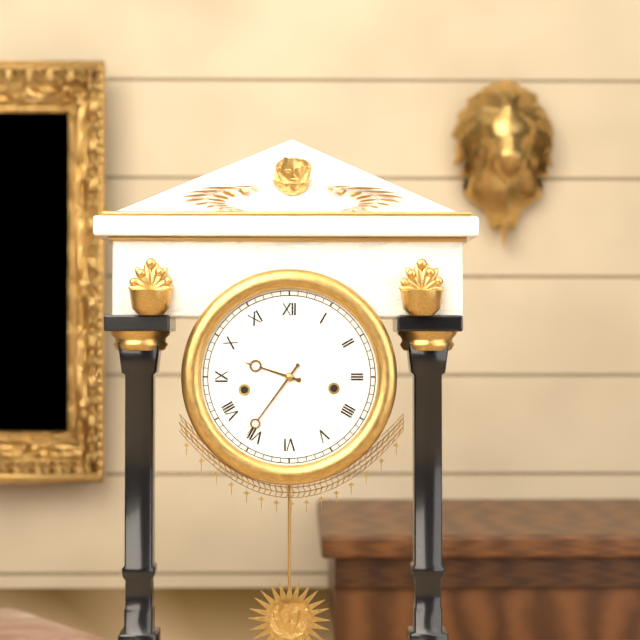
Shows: 9:36
